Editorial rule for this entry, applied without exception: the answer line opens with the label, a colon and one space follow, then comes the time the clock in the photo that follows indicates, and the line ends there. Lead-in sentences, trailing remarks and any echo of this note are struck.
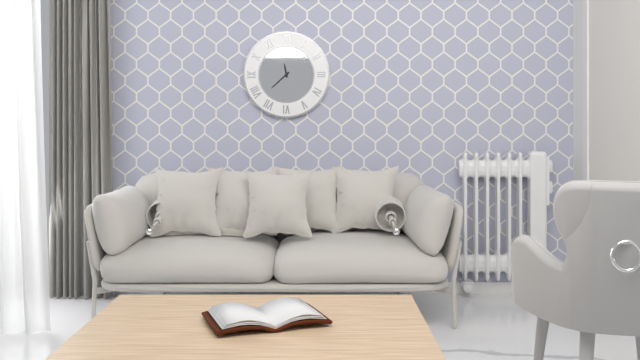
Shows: 11:38
